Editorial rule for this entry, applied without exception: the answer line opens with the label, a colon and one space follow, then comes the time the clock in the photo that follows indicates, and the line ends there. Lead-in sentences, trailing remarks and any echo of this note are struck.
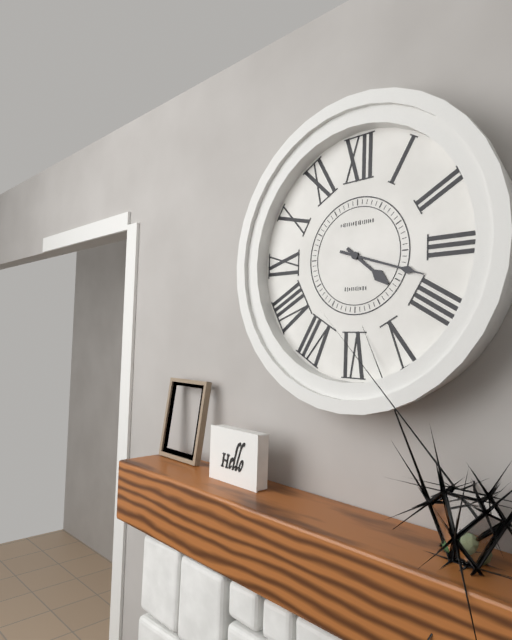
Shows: 4:18
